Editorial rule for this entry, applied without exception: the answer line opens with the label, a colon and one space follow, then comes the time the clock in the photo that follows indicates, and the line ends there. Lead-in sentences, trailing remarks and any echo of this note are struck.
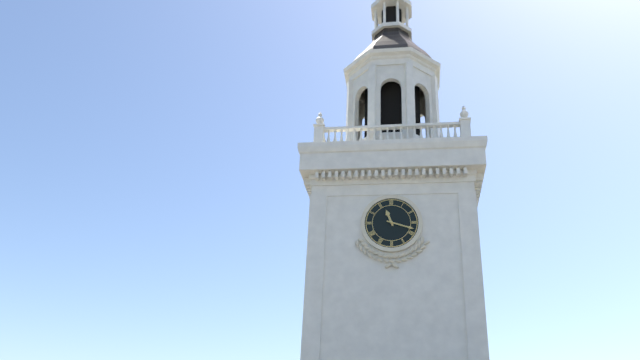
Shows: 11:18
